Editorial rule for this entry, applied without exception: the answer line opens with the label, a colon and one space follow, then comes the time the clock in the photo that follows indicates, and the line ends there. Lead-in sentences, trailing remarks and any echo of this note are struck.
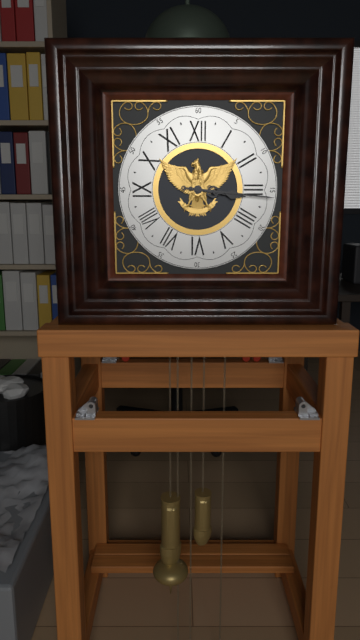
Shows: 3:16
